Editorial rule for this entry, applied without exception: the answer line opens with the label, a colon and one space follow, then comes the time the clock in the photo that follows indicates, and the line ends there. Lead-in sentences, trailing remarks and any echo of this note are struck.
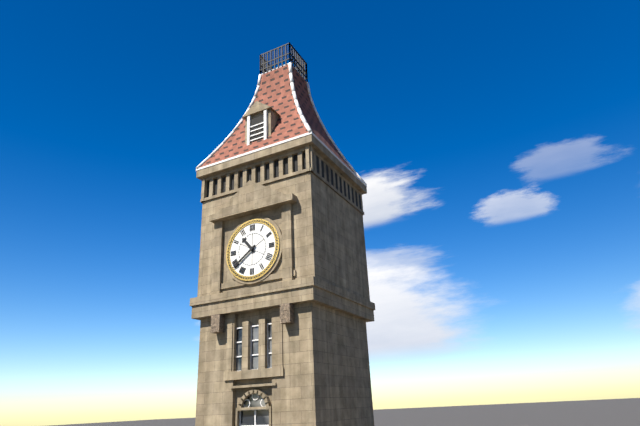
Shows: 10:39
